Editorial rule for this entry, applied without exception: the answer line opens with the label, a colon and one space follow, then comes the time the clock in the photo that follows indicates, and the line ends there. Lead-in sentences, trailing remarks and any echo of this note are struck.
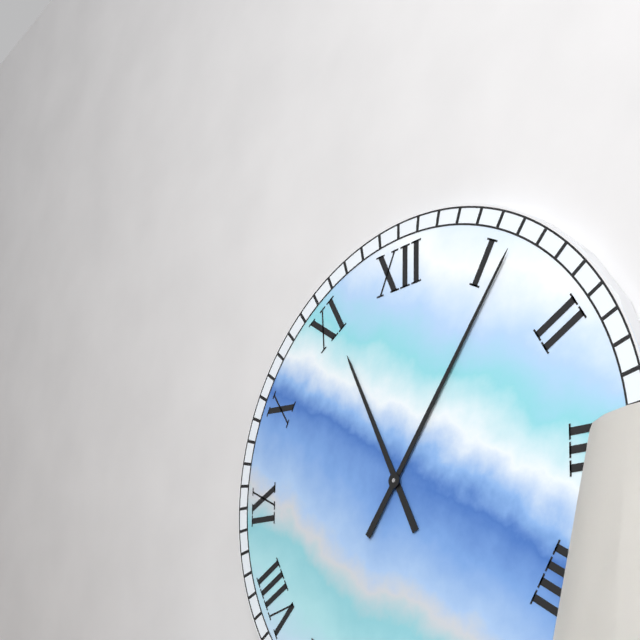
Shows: 11:06
